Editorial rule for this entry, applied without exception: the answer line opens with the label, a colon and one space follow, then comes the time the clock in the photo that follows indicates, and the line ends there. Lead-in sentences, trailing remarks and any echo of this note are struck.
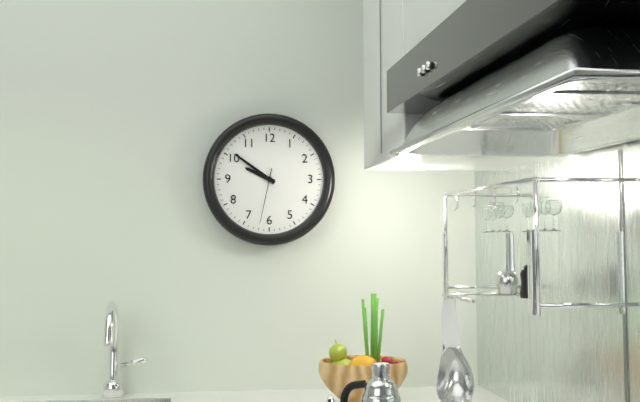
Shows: 9:51:32
